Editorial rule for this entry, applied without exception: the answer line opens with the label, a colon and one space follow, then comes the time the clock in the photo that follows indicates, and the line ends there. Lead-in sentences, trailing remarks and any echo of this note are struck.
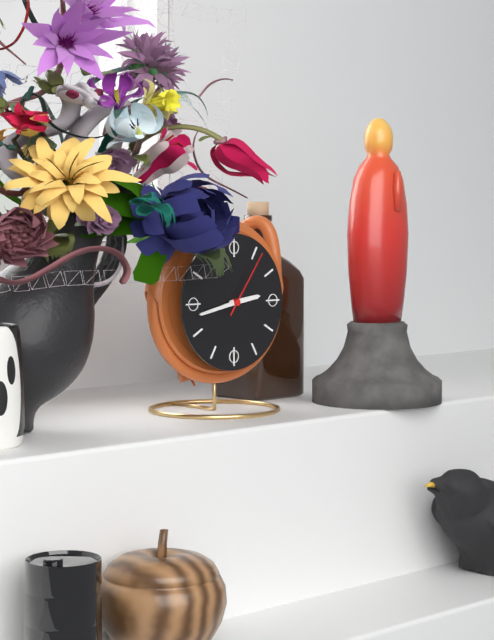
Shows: 2:43:06
